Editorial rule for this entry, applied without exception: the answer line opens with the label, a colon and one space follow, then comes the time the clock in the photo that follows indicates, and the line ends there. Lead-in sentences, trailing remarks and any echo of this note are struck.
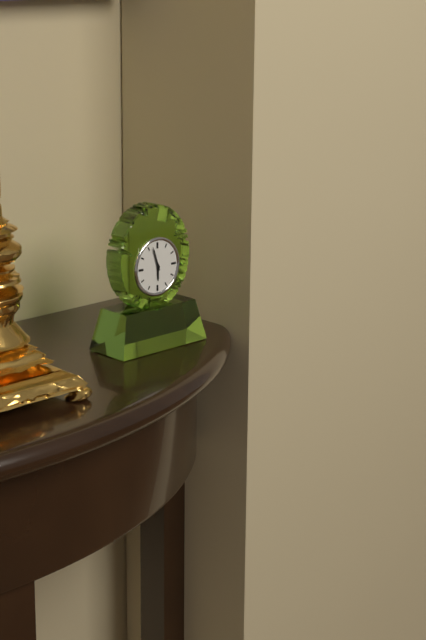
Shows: 5:57
